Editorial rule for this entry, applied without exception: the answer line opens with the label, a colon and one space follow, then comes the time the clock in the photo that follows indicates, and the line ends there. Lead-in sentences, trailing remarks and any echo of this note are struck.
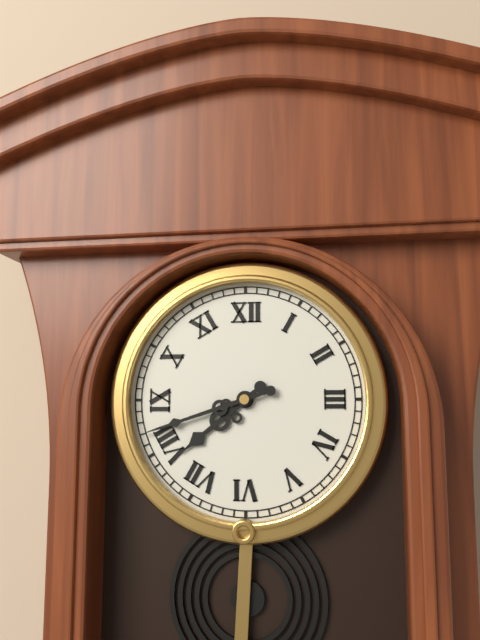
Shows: 7:42
